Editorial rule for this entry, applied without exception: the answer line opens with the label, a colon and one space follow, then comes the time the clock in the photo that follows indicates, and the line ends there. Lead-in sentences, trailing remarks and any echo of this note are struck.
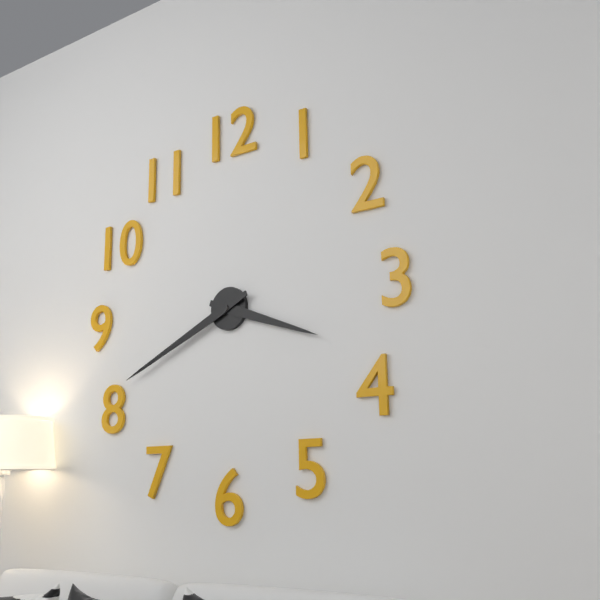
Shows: 3:41
